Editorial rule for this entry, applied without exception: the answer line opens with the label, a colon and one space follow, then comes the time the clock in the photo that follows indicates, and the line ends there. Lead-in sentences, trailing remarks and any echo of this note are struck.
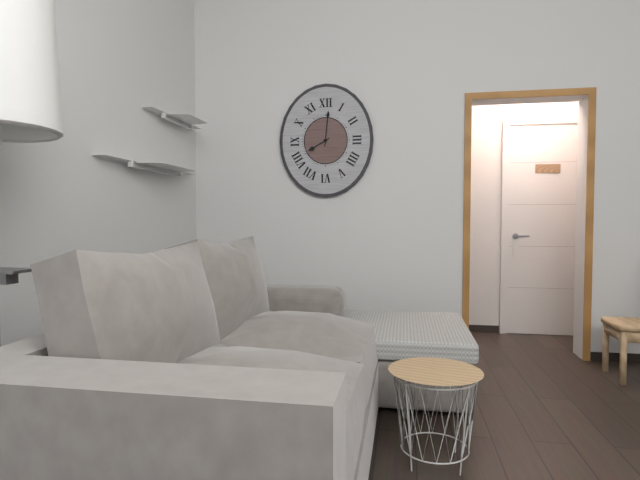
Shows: 8:01
